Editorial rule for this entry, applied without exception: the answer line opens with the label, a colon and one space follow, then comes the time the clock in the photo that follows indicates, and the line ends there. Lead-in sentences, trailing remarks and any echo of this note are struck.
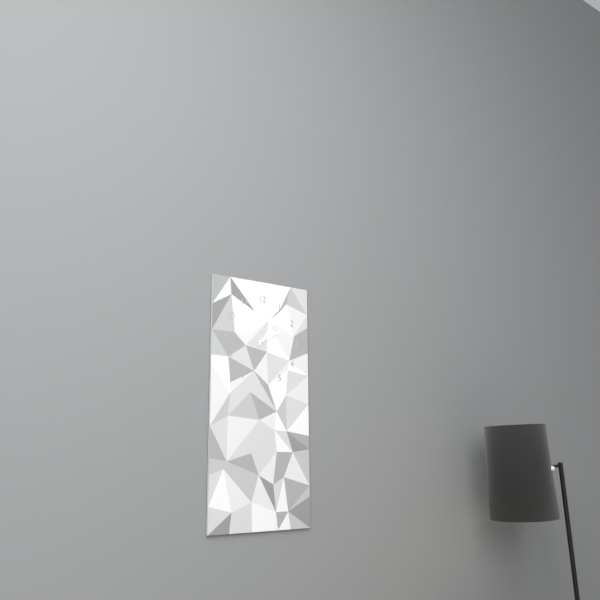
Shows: 2:06
